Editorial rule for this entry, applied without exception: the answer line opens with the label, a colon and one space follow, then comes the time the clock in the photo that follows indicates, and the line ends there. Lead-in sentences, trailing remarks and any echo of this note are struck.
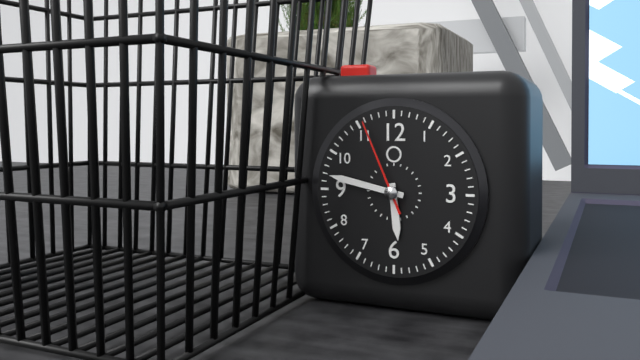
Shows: 5:47:56
